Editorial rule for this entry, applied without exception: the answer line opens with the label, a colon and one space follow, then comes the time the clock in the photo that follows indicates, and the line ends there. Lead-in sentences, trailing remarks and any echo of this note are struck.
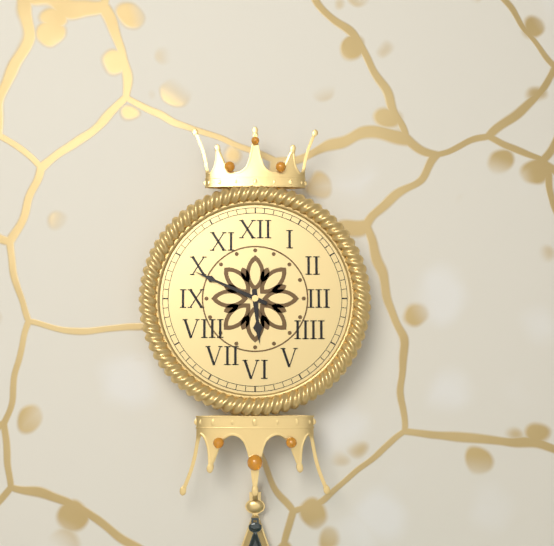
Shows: 5:49
